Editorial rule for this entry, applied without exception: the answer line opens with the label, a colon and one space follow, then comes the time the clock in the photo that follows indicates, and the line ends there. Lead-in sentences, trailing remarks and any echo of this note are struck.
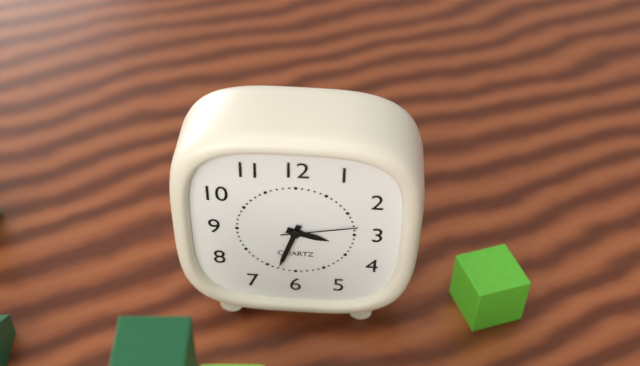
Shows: 3:33:13
